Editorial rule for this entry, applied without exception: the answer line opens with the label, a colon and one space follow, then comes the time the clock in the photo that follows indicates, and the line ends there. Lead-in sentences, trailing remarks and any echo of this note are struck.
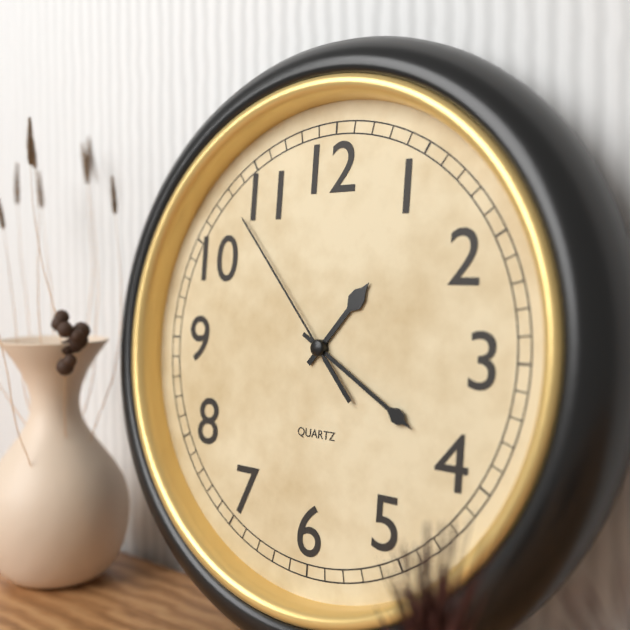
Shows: 1:20:53
